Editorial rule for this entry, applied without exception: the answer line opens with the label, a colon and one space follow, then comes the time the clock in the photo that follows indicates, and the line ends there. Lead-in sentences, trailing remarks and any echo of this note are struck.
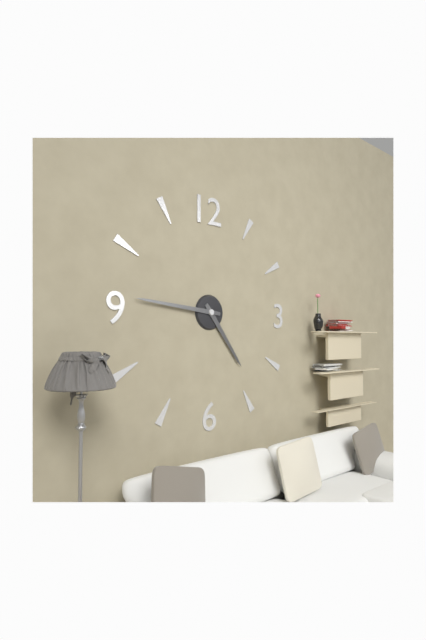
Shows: 4:46
